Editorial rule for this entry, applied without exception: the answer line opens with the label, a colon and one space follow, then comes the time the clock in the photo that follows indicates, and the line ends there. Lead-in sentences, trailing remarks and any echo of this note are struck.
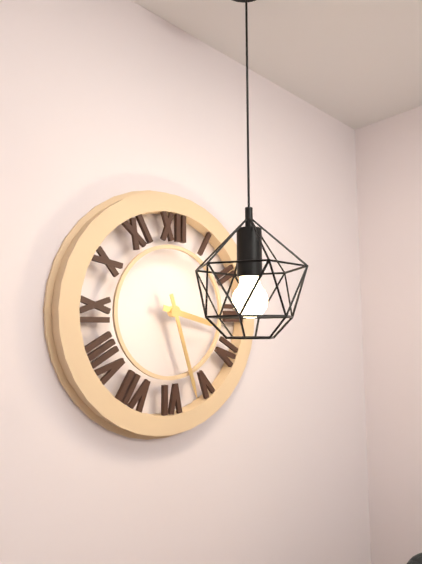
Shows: 3:27
